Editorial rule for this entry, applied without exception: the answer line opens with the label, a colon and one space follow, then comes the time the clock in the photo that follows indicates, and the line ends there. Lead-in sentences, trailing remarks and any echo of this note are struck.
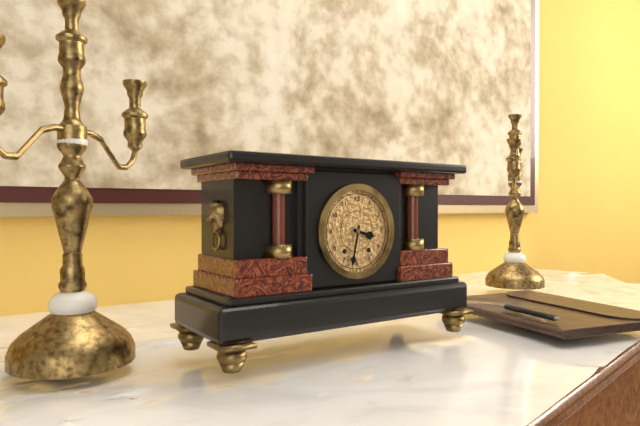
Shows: 3:32
